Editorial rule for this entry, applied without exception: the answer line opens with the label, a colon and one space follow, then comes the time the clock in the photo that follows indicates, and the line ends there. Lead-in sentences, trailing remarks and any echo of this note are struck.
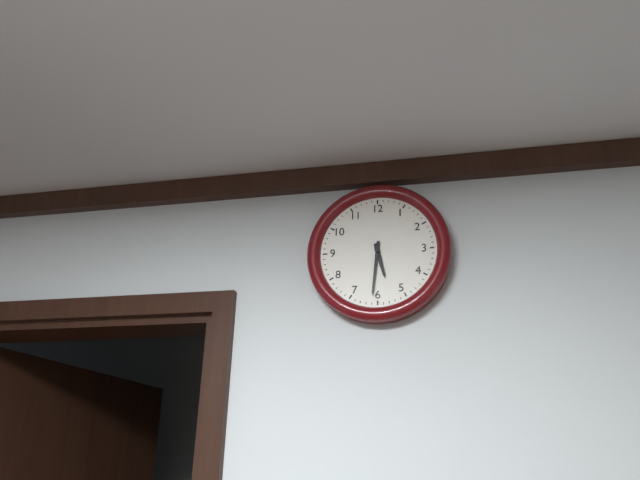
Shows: 5:31
